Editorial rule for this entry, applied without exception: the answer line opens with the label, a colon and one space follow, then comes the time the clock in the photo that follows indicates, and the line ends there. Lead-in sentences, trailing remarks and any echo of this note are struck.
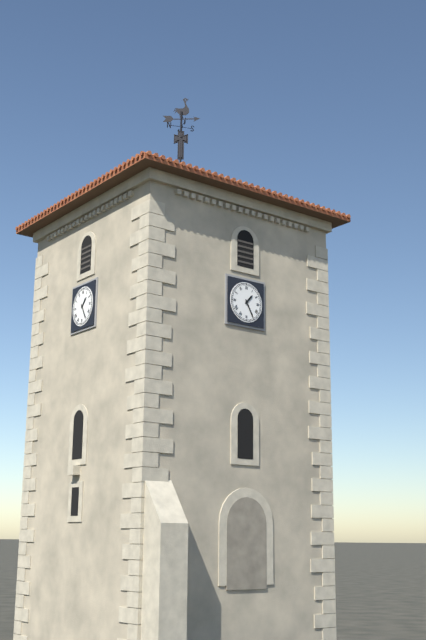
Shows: 1:25
